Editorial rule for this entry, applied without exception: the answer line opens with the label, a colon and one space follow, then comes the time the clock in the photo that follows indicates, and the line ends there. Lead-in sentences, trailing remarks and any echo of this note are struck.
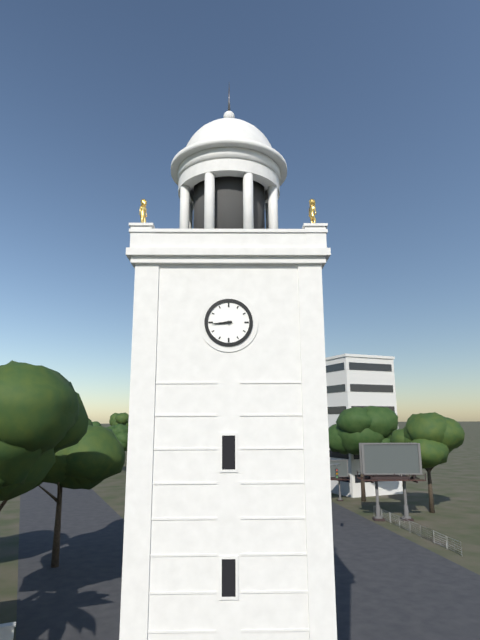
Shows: 8:44
